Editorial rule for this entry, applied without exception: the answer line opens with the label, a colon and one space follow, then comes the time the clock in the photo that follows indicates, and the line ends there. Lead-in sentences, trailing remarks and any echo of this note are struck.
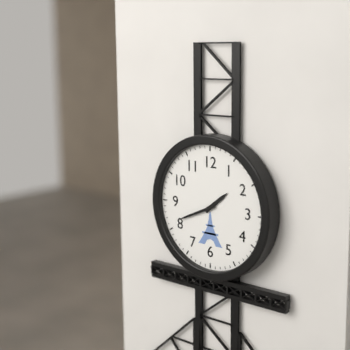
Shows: 1:41
